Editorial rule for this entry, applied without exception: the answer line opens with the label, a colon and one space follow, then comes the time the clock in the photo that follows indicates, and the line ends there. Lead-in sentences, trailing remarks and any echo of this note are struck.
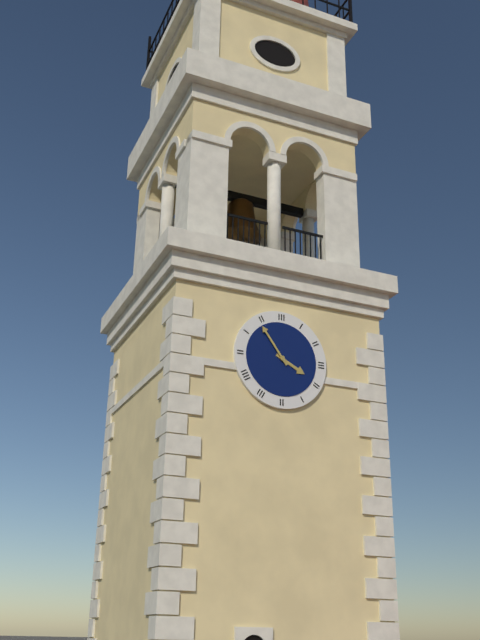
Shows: 3:54
